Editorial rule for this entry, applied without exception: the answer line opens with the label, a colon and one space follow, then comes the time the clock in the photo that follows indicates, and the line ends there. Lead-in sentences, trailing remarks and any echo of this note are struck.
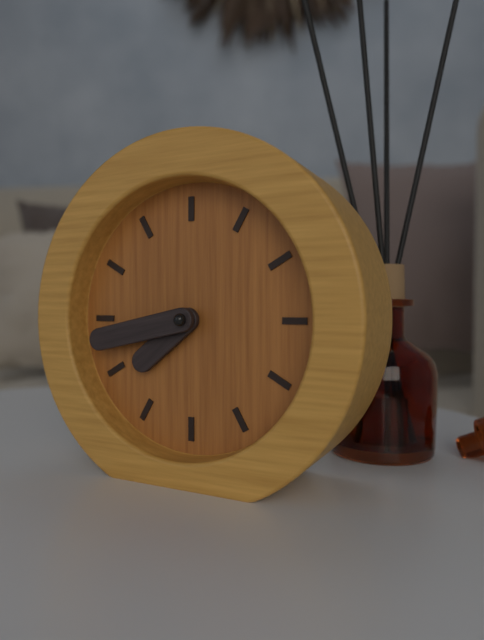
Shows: 7:43
